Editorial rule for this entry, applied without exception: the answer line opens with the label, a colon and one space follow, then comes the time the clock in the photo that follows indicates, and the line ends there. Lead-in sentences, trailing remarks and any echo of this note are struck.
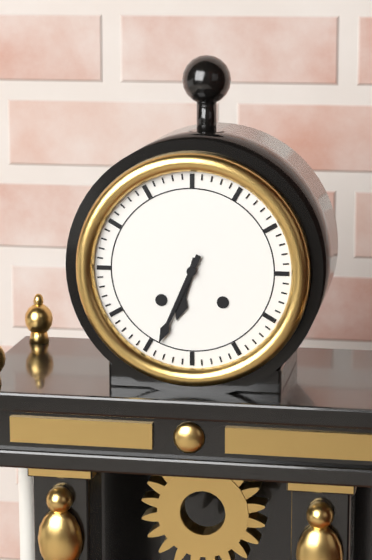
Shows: 6:34
